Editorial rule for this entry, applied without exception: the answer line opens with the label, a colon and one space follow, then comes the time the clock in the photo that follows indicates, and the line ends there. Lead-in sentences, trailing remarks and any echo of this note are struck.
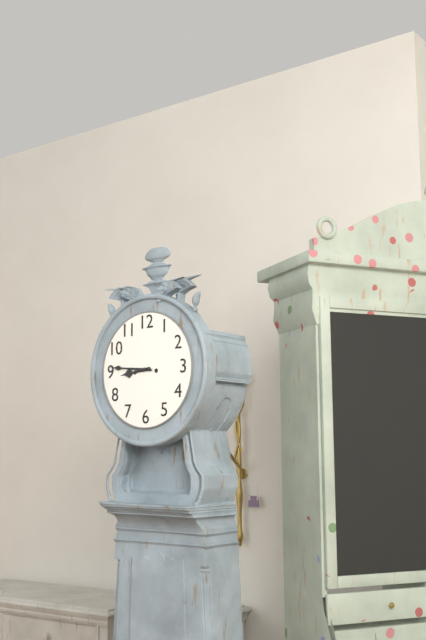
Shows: 8:46
